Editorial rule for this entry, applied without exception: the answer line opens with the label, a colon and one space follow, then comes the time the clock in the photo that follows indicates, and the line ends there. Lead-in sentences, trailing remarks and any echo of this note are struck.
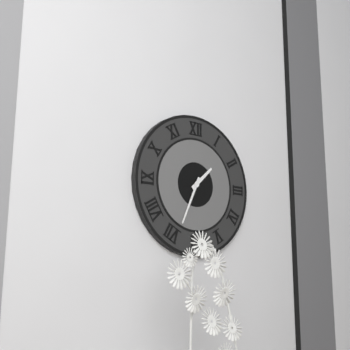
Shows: 1:34
